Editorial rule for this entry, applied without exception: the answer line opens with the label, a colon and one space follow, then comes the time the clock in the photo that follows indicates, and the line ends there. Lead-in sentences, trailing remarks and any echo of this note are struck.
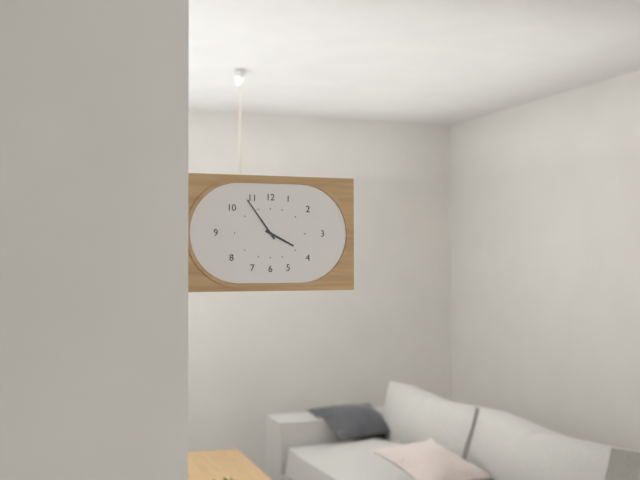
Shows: 3:54
